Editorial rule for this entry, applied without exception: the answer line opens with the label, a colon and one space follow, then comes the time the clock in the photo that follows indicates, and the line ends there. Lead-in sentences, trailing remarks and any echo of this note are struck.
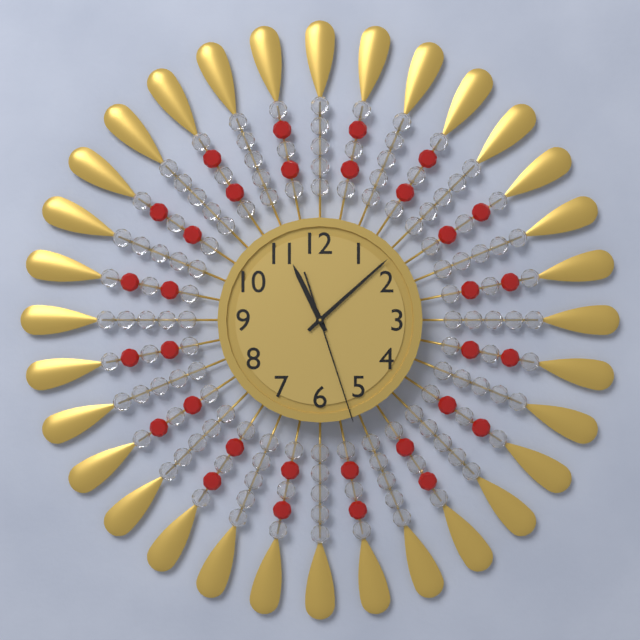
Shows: 11:08:27
